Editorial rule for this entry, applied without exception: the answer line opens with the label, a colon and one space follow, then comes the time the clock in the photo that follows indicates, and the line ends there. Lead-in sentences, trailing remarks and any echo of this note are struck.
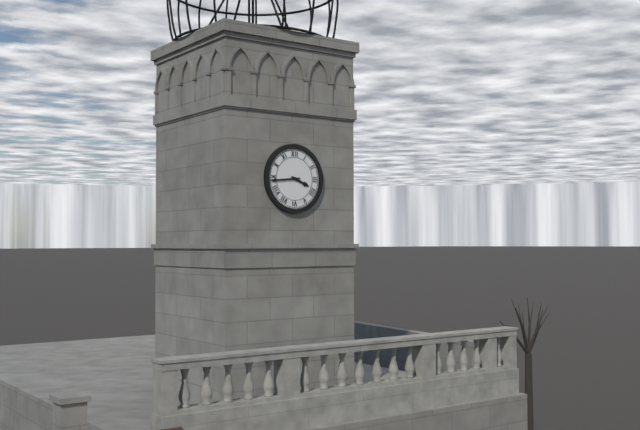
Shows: 3:44
